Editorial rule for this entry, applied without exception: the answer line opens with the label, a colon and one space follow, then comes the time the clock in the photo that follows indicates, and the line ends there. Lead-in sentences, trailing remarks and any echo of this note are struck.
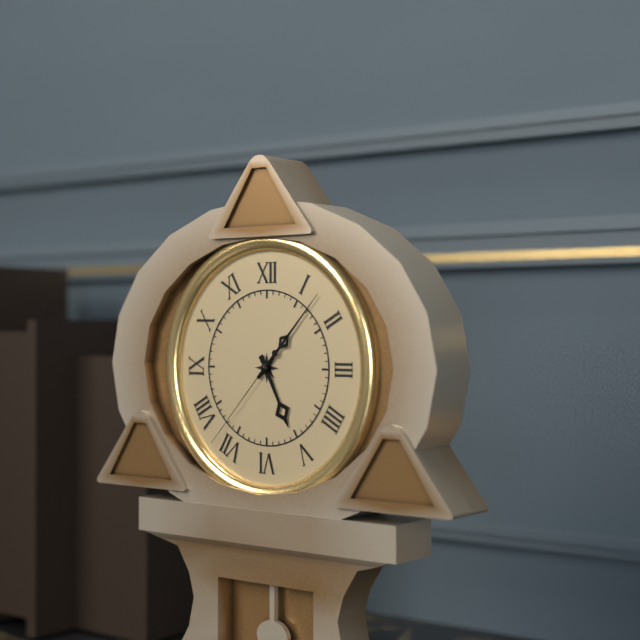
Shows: 5:07:37
